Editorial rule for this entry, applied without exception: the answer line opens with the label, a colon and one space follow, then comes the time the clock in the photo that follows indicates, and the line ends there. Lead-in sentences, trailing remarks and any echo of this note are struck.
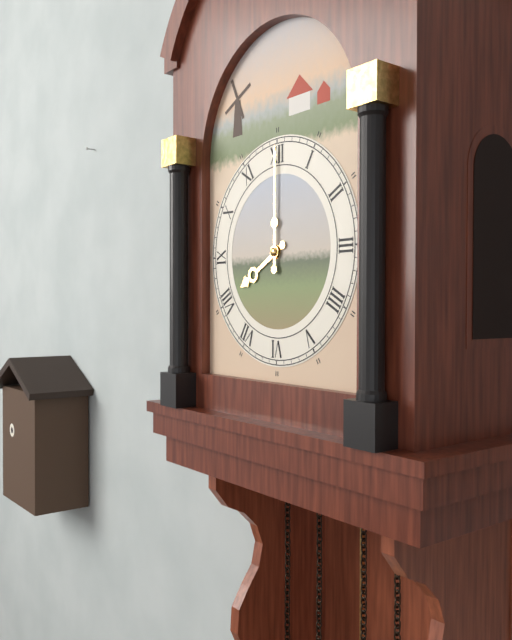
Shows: 8:00
